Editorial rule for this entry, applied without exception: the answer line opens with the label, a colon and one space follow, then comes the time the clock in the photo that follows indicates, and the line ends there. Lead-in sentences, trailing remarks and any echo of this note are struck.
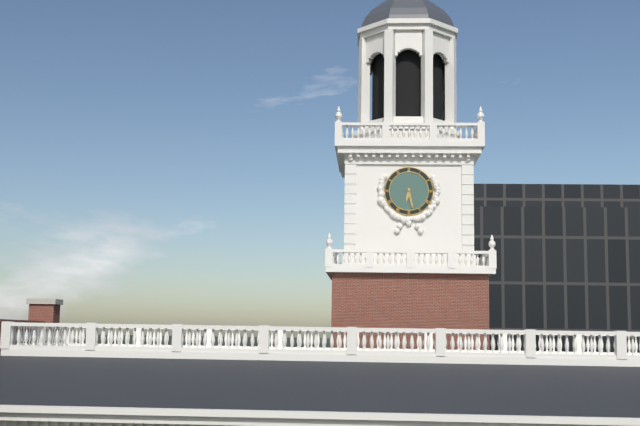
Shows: 6:28
